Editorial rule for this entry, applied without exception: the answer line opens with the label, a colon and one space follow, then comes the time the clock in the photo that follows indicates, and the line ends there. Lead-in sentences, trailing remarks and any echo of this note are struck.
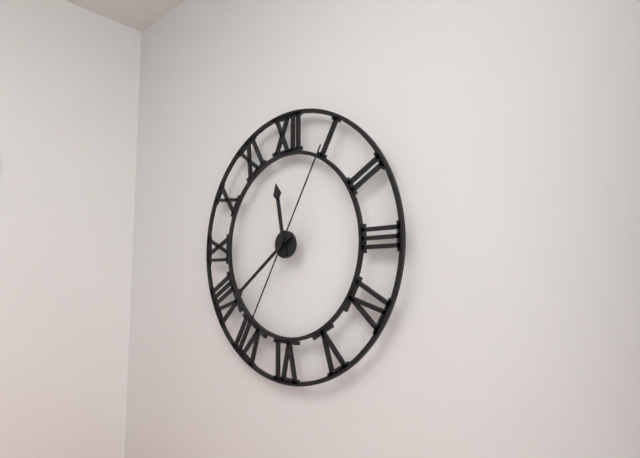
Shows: 11:39:35
